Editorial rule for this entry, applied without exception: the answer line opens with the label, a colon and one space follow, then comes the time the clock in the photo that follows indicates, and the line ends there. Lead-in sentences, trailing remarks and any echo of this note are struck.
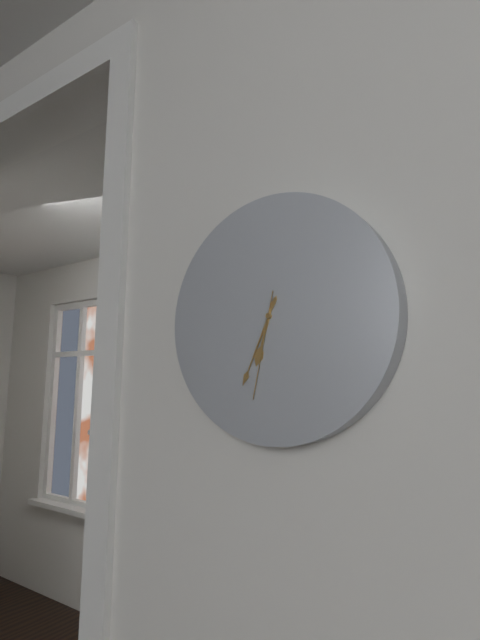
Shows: 6:34:32
